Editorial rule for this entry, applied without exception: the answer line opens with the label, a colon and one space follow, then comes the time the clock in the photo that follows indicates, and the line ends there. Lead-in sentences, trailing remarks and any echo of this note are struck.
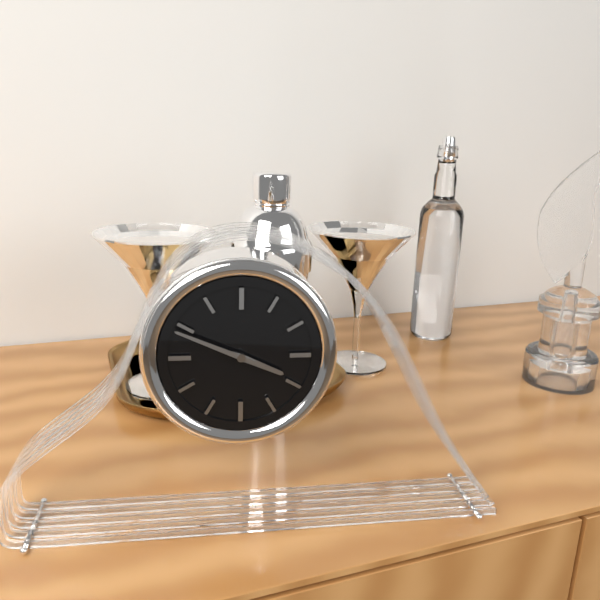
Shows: 3:49
